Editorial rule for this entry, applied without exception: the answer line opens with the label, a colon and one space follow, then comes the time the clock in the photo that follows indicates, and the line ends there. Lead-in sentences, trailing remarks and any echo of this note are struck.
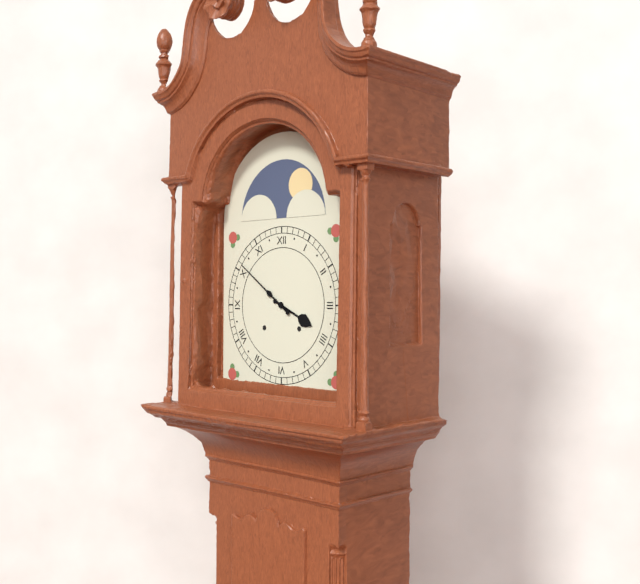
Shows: 3:51
